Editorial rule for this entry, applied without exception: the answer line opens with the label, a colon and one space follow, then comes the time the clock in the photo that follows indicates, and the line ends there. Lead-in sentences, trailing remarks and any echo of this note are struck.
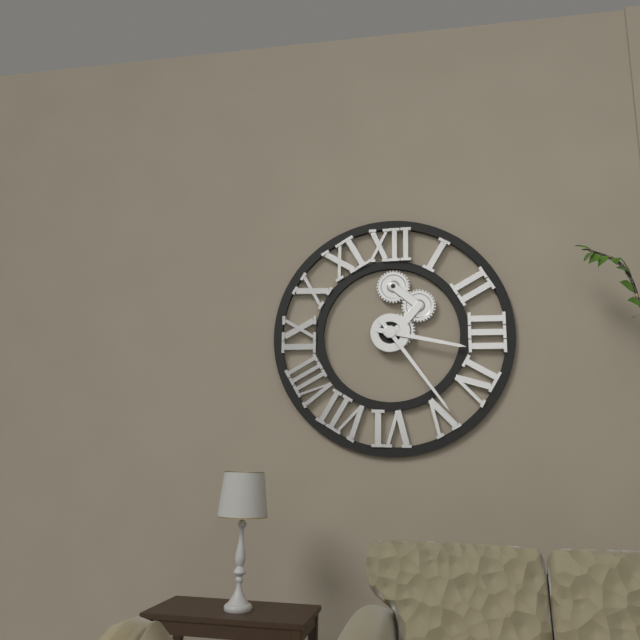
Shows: 3:24
